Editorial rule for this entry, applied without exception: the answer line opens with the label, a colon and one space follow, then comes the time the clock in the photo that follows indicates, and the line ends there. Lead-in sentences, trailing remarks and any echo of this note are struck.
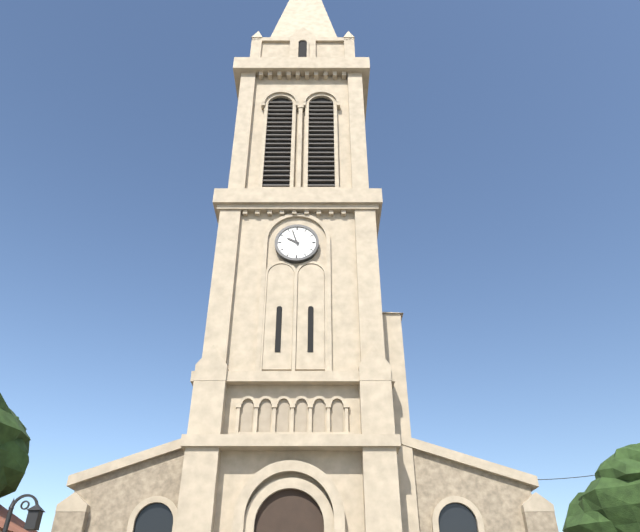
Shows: 9:57
